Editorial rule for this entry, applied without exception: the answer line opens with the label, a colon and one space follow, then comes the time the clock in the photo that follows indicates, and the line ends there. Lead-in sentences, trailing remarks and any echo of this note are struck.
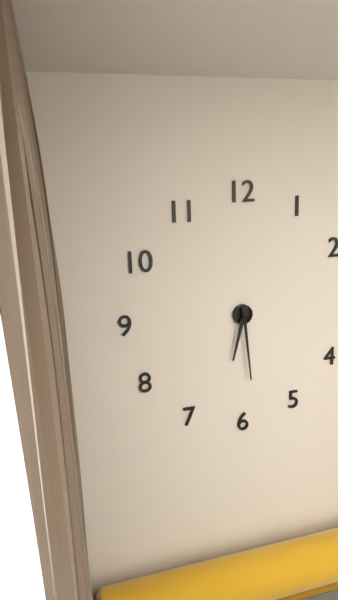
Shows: 6:29
